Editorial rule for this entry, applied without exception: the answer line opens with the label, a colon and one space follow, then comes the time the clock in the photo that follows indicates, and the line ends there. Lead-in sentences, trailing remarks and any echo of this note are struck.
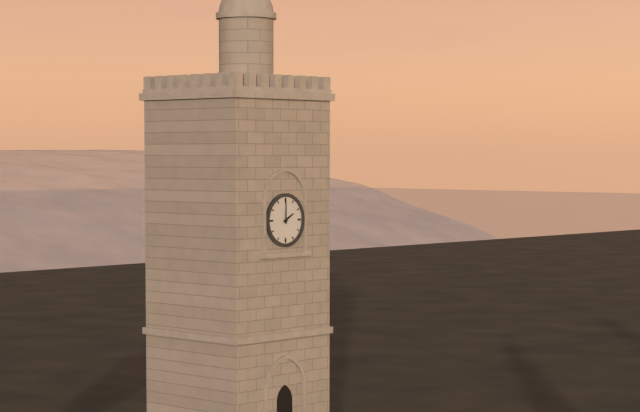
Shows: 2:00
